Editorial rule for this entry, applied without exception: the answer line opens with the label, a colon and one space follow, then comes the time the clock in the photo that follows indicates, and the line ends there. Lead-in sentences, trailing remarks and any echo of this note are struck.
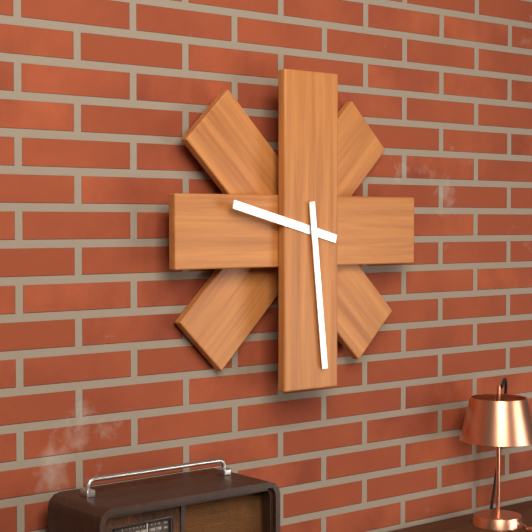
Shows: 9:29
